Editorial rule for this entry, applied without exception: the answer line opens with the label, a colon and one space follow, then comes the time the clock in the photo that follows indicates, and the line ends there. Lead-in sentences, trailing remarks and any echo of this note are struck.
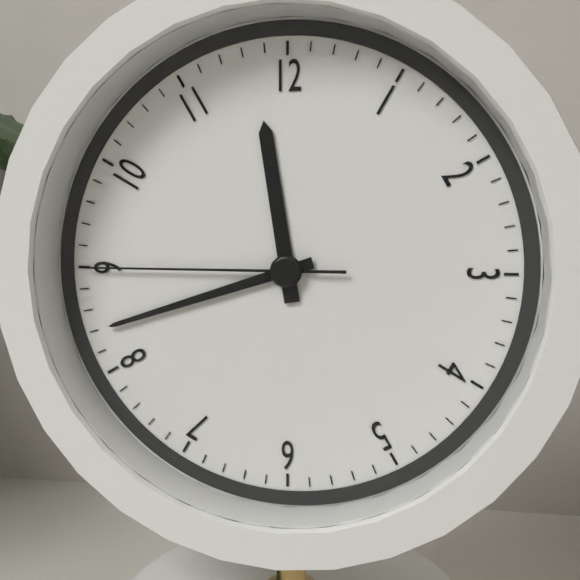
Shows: 11:42:45
